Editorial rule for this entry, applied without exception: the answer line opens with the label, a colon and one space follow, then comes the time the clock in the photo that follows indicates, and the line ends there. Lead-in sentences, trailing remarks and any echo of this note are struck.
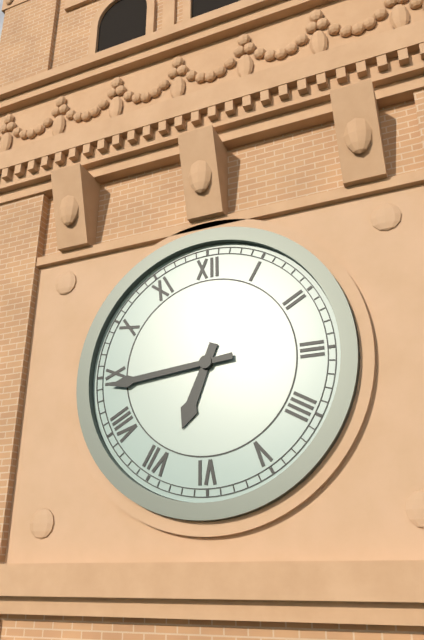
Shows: 6:44
